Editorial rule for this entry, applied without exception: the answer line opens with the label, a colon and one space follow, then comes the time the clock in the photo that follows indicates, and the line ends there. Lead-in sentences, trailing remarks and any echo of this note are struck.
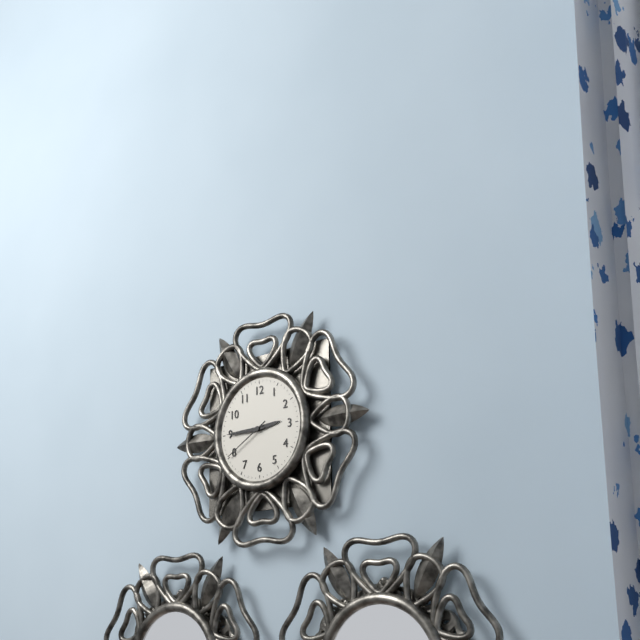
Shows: 2:45:40
